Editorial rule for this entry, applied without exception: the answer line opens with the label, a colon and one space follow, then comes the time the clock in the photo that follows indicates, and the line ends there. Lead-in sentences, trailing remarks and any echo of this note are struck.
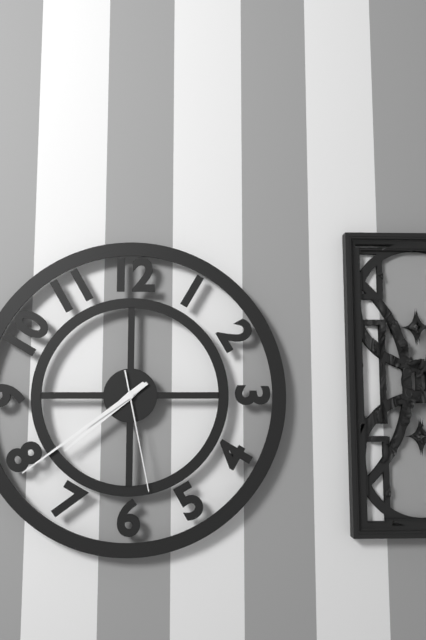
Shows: 7:39:28
